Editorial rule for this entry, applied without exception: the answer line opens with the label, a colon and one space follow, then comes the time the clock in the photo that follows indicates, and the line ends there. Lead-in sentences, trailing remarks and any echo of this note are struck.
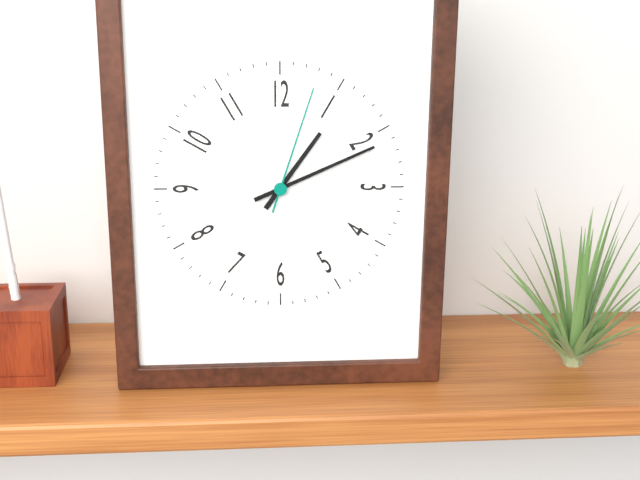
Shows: 1:11:03
